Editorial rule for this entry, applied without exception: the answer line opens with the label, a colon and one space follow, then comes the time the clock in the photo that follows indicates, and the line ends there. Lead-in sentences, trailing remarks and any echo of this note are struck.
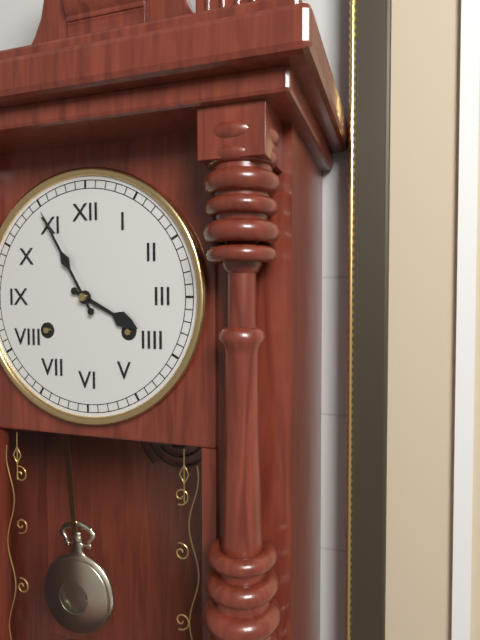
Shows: 3:55
